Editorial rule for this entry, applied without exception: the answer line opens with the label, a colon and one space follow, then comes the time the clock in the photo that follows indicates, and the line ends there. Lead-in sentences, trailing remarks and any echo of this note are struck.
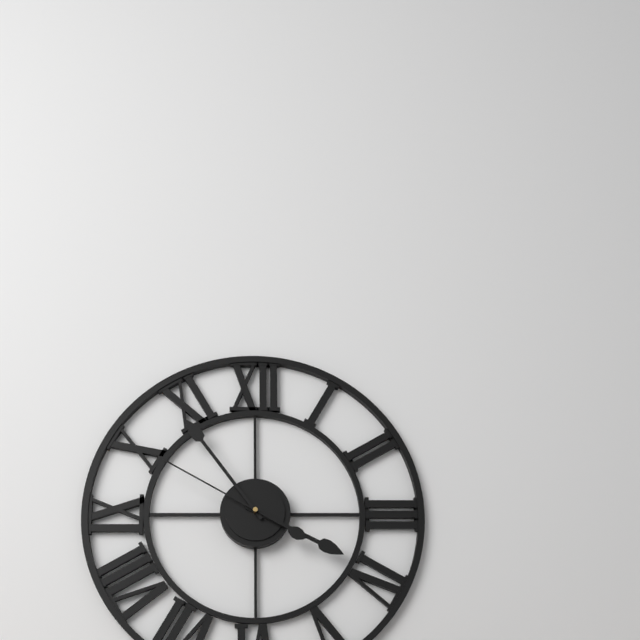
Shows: 3:54:50
